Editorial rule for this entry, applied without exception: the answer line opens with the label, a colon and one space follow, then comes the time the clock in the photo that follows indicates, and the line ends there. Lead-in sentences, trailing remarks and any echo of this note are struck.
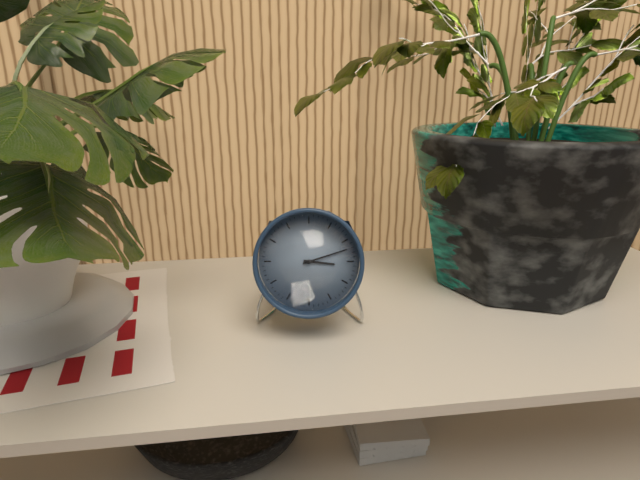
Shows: 3:12
